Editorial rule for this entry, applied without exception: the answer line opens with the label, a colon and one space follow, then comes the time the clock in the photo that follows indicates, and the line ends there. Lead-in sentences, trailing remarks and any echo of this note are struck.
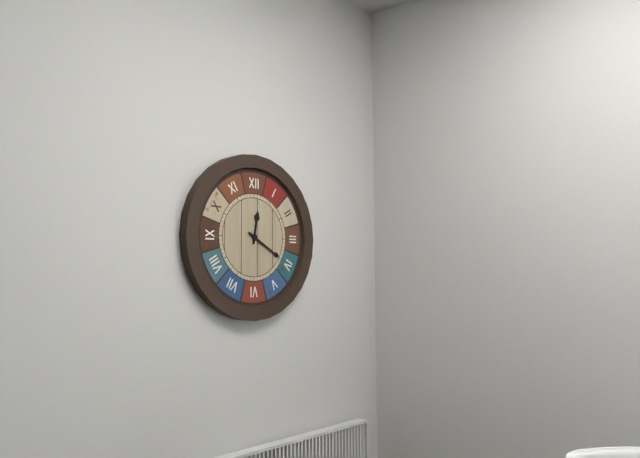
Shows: 12:20
